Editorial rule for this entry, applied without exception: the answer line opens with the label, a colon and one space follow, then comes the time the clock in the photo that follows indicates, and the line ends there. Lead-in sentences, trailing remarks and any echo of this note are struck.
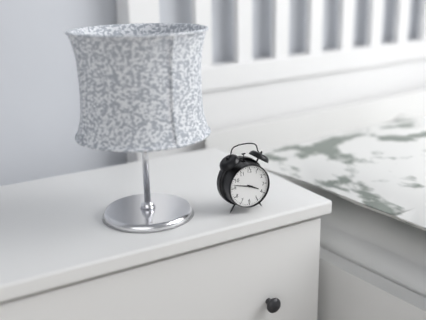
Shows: 3:47
